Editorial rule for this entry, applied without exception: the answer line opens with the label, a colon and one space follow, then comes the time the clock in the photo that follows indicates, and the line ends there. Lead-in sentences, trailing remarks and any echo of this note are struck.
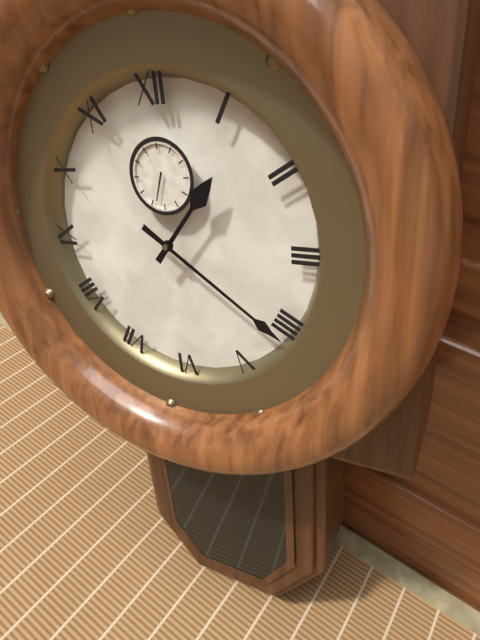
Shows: 1:21
